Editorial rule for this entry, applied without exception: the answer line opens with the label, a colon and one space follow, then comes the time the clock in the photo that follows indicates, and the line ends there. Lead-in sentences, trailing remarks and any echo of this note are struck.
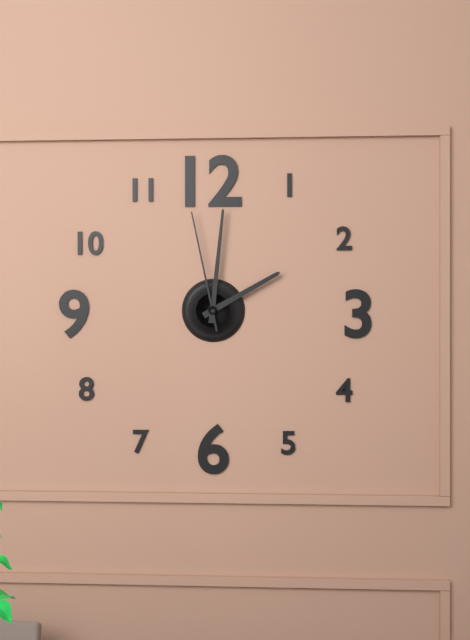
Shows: 2:01:58
